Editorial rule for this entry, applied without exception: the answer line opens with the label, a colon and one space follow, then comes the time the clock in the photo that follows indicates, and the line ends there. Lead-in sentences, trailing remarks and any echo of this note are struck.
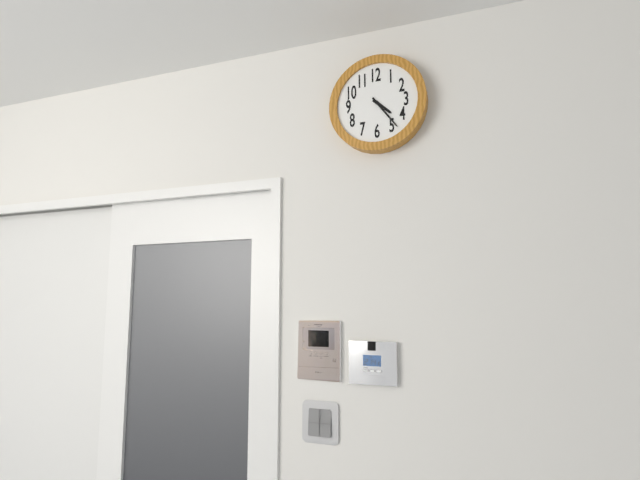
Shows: 4:24
